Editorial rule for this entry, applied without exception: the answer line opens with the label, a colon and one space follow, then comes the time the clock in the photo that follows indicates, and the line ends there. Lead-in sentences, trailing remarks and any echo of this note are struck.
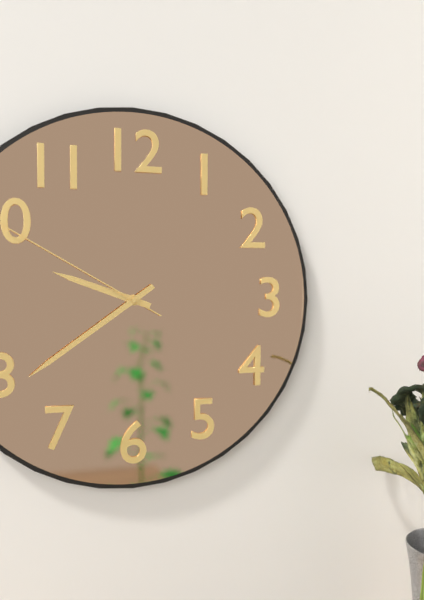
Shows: 9:39:50
